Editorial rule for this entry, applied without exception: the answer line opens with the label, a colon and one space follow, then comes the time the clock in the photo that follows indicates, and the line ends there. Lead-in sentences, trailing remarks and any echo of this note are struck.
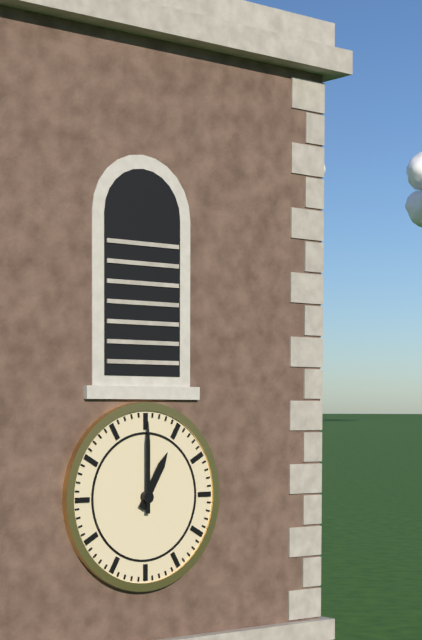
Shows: 1:00
